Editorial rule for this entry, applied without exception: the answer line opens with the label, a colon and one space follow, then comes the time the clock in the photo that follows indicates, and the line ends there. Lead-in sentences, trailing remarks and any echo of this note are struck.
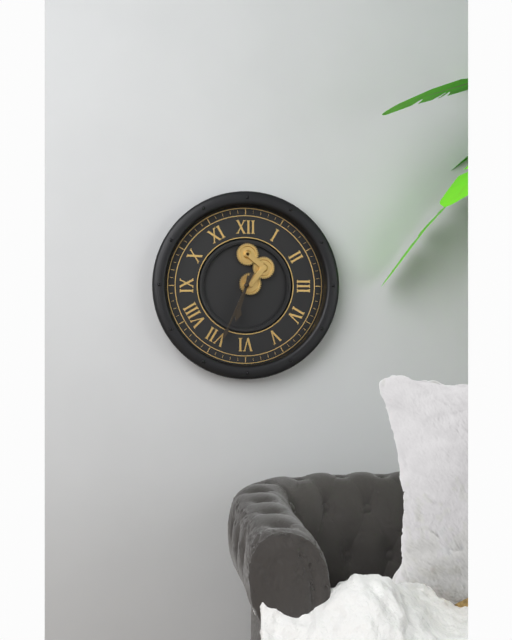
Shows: 6:34
